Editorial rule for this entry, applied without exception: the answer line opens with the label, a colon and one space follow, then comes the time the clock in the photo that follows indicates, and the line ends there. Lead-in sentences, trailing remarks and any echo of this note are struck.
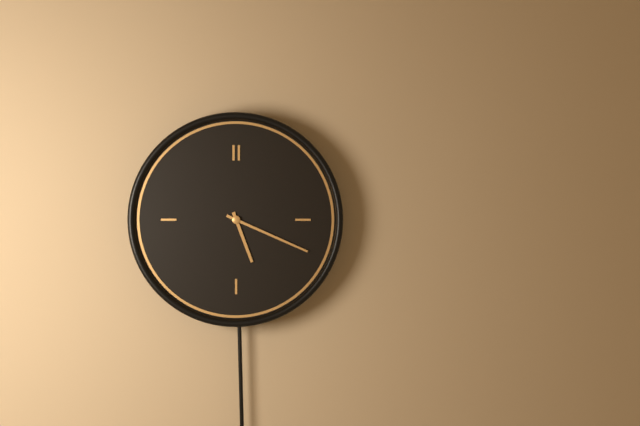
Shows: 5:19
